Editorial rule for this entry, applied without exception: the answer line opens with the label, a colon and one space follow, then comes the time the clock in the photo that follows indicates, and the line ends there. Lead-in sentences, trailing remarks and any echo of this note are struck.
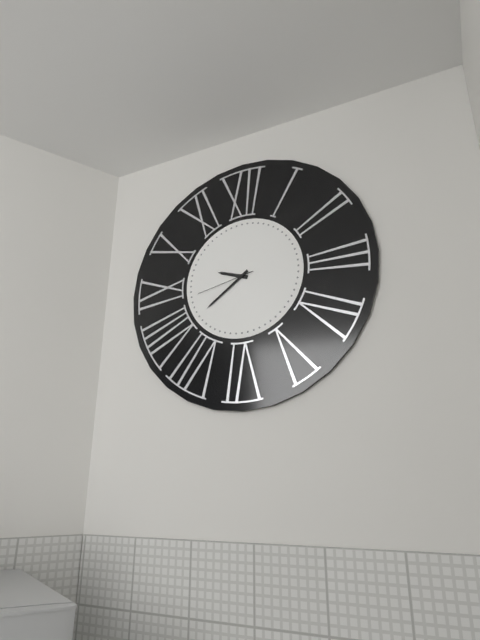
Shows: 9:39:43
